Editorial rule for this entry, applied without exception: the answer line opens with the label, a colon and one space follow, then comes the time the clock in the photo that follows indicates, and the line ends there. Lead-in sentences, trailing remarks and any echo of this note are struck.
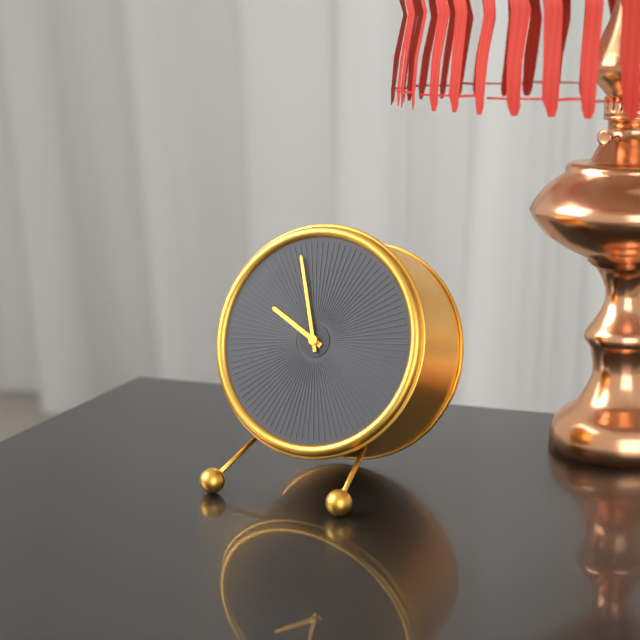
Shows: 9:57
